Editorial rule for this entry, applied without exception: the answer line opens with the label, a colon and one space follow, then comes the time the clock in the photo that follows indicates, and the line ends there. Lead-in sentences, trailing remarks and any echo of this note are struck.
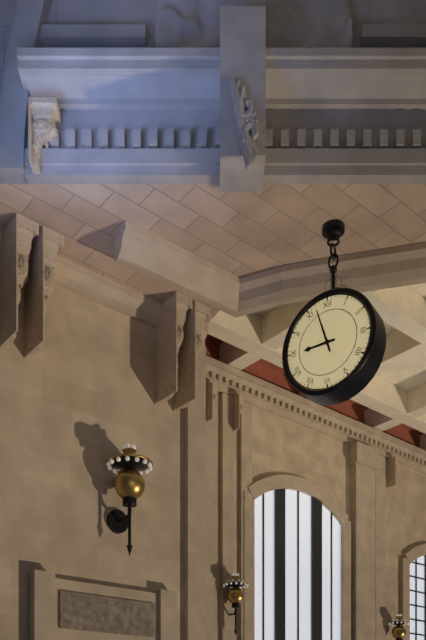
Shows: 8:57
